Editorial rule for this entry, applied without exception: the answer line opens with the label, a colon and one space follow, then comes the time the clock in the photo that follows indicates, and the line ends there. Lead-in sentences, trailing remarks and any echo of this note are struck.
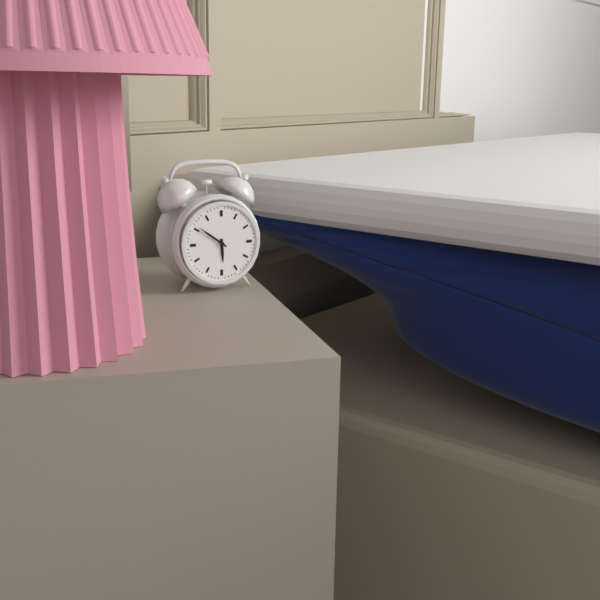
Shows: 5:51
